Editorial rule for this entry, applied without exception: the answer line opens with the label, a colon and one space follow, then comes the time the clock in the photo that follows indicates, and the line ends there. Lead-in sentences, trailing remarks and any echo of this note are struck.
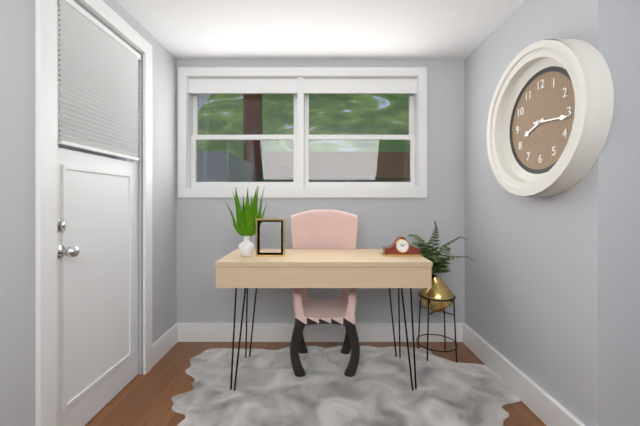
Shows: 8:16
